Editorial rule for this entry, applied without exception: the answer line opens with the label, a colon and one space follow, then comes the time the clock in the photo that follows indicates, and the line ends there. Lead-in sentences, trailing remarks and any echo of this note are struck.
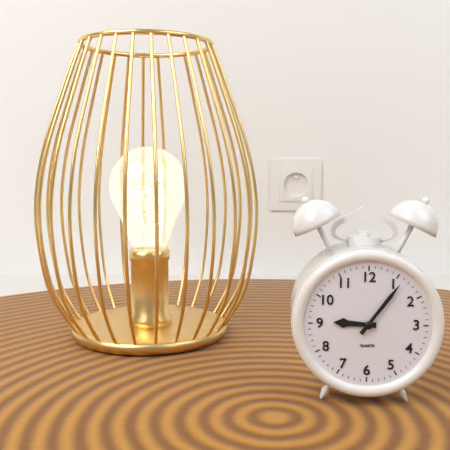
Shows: 9:06
